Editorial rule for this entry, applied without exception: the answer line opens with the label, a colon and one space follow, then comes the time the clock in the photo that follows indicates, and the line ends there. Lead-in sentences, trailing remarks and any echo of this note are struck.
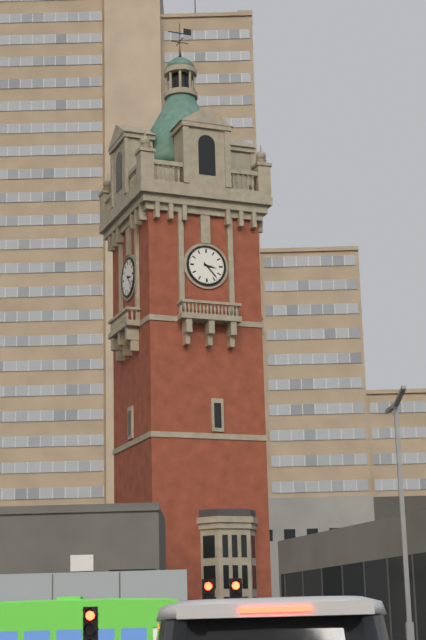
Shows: 3:23
